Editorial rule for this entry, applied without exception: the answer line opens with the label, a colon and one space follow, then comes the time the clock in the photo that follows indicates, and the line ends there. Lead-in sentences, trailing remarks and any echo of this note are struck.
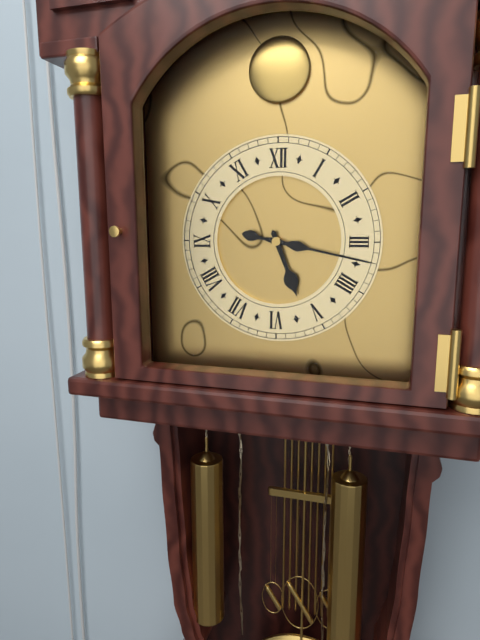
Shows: 5:17
